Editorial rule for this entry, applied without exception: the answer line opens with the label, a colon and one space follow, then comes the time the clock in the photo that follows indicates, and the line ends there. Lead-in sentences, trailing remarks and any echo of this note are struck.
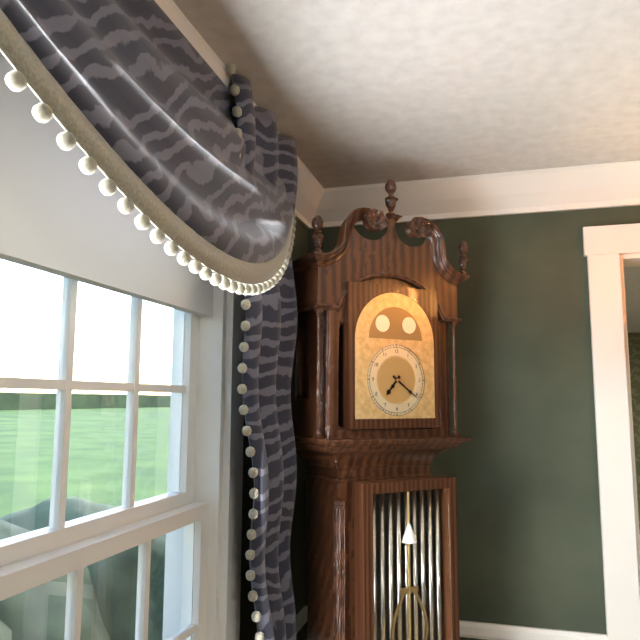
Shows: 7:21
